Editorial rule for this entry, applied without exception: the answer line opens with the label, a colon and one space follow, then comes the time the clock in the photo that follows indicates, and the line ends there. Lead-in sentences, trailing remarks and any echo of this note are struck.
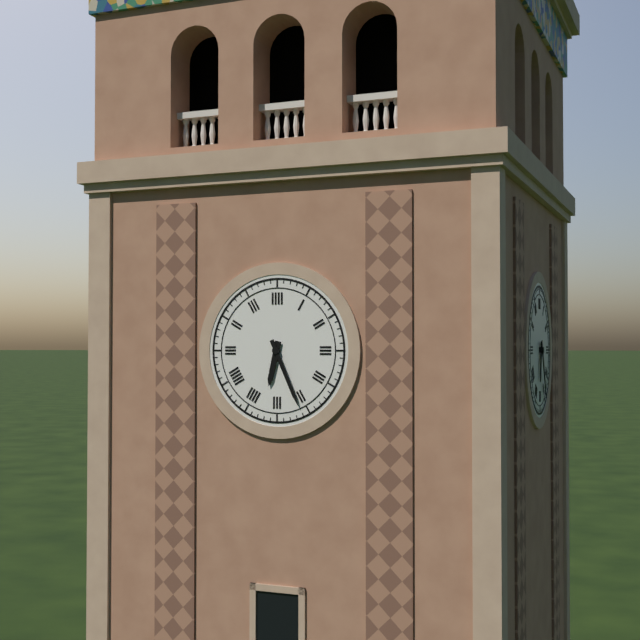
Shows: 6:26
